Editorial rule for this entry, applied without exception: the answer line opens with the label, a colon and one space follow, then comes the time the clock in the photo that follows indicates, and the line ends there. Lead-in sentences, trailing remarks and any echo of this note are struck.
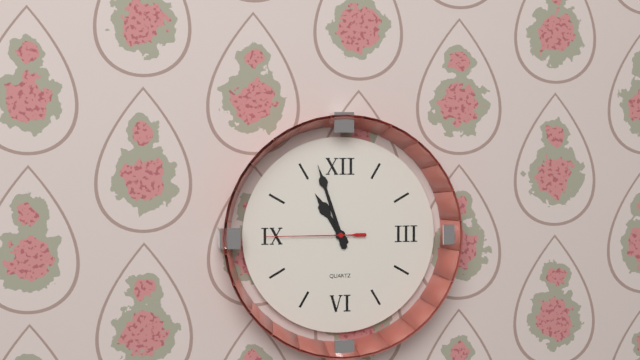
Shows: 10:57:45
